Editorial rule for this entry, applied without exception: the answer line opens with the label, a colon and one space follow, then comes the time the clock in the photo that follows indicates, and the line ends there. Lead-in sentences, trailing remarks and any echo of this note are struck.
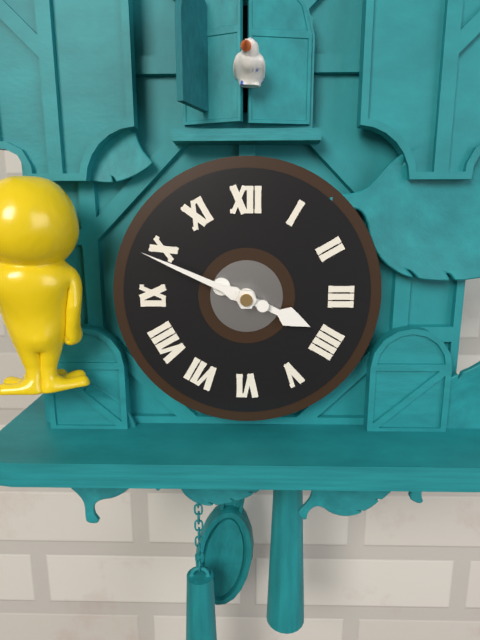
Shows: 3:49
